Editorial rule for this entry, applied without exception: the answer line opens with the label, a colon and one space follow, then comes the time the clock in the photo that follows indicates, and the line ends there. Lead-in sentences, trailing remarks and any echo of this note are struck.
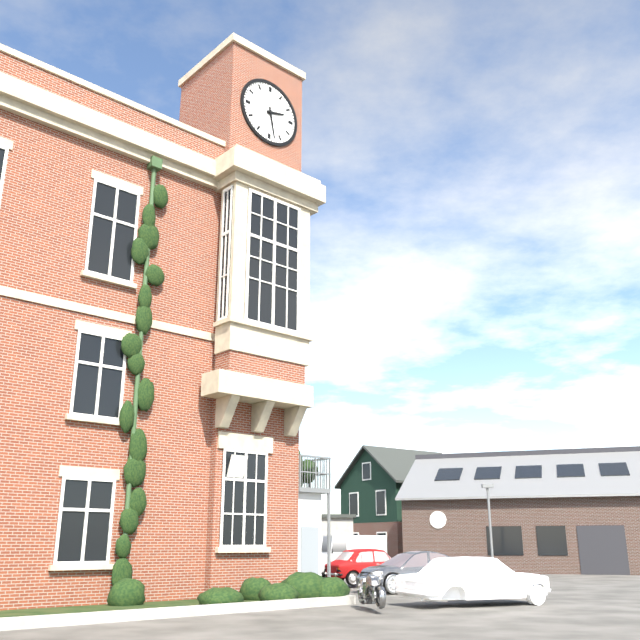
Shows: 2:28
